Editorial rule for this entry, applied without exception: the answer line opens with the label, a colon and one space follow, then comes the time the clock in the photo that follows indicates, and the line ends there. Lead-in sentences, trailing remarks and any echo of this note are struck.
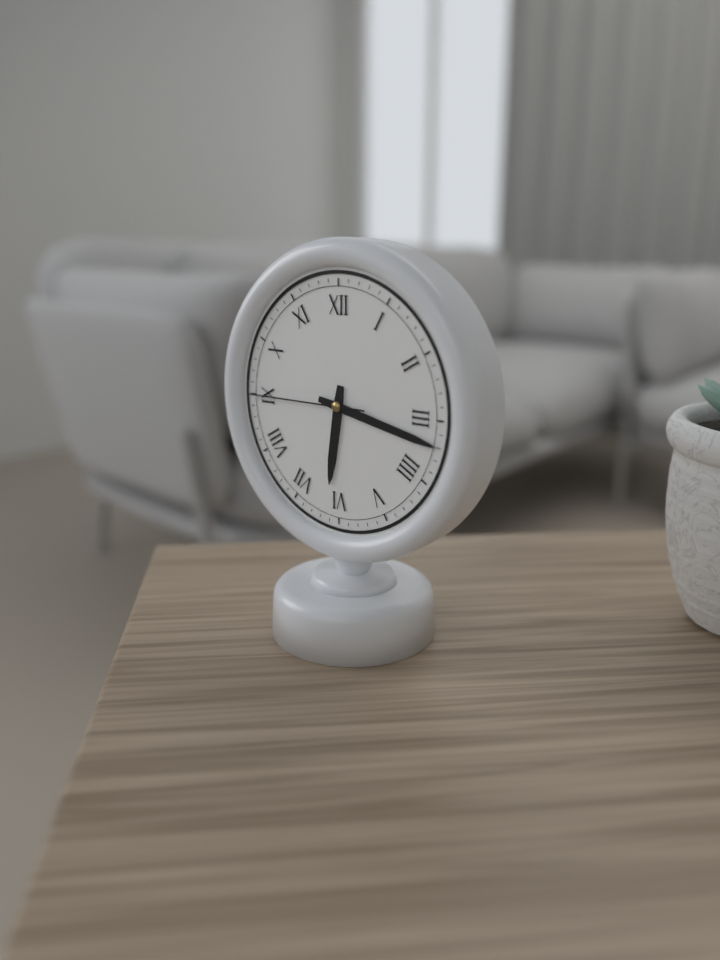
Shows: 6:17:45
